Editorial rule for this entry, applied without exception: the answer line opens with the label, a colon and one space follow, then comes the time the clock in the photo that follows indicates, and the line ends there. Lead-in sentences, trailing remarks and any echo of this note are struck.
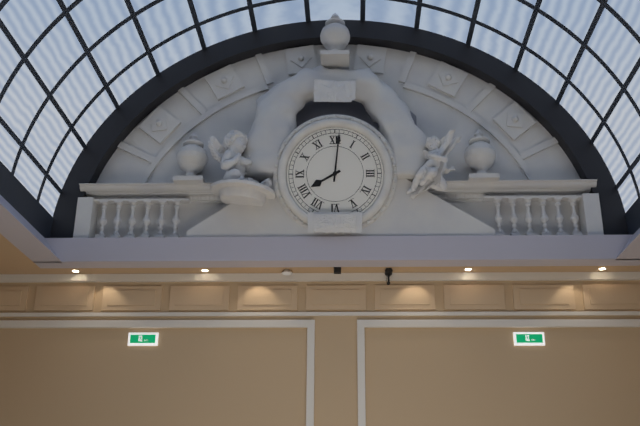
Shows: 8:01
